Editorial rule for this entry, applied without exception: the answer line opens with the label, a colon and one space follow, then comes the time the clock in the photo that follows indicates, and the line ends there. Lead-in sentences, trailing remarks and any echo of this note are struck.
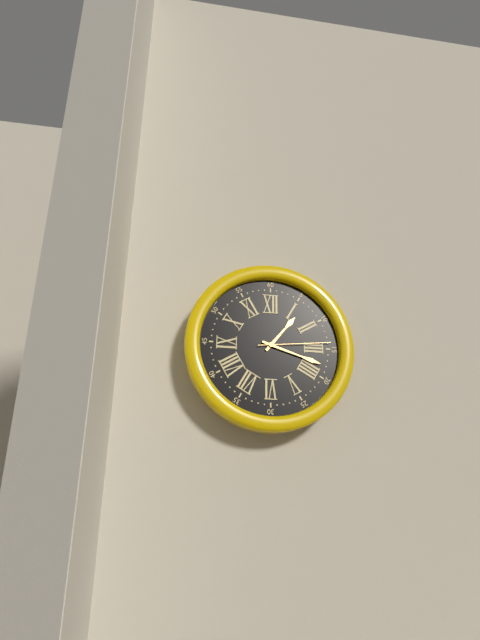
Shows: 1:18:14
